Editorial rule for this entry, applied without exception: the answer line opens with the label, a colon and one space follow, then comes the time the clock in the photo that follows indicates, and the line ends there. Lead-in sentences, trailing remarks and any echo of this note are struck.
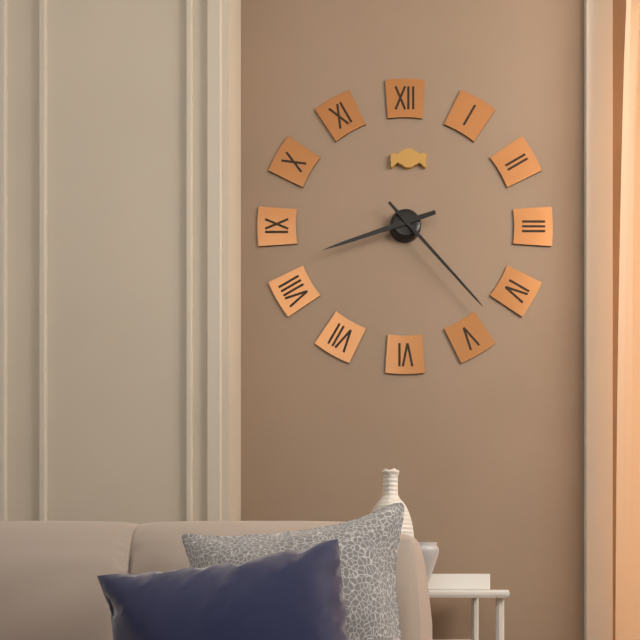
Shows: 8:23
